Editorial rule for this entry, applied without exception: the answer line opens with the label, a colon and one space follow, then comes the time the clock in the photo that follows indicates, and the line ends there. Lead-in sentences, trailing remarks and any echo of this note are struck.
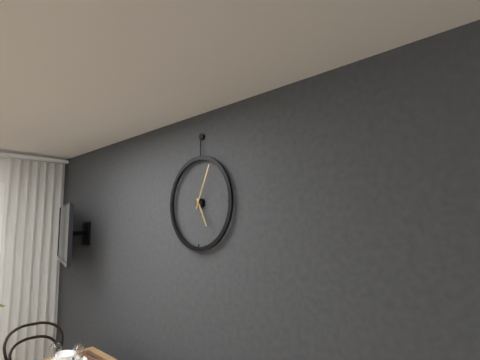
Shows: 5:04
